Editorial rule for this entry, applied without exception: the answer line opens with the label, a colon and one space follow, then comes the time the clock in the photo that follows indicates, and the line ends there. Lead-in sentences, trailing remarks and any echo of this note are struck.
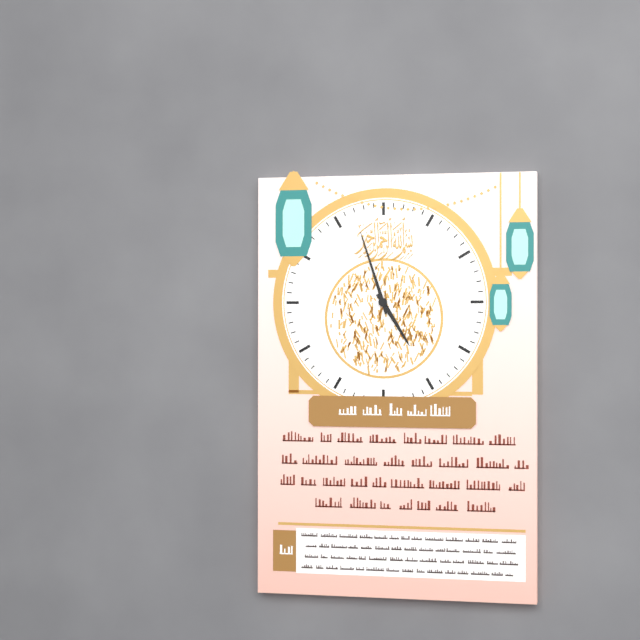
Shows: 4:57
